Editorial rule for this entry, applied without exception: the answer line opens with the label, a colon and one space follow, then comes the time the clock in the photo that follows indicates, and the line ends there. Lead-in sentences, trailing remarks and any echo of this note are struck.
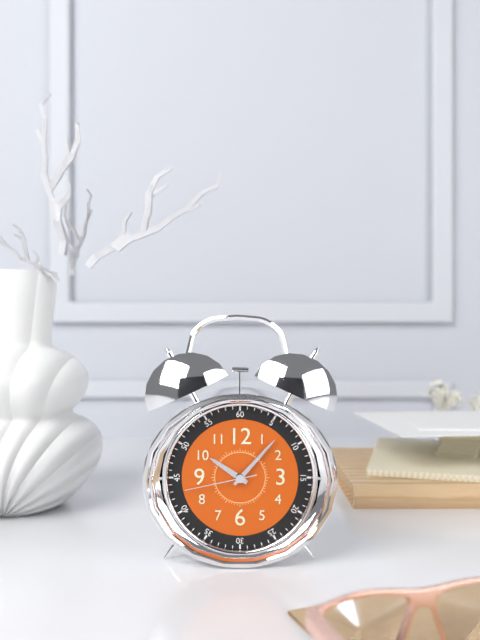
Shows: 10:07:43
